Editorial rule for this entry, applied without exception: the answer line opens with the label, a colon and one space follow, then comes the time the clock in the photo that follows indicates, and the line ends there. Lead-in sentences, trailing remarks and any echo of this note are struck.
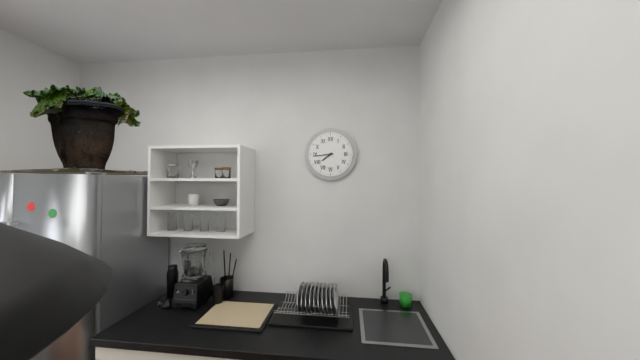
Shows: 7:44
